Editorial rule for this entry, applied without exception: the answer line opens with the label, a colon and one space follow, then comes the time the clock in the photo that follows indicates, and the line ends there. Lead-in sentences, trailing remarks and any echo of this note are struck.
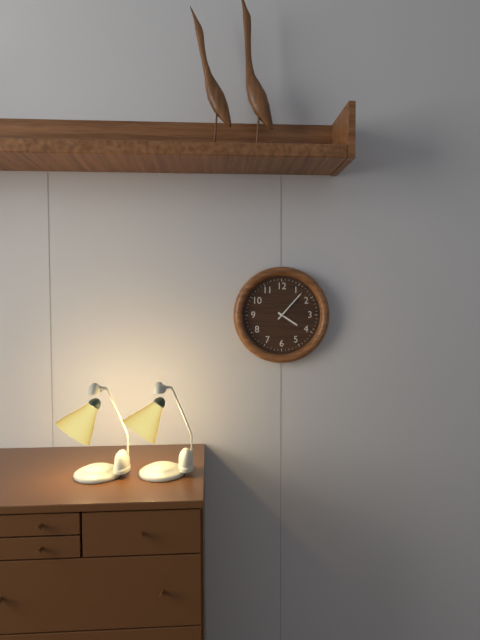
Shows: 4:07
